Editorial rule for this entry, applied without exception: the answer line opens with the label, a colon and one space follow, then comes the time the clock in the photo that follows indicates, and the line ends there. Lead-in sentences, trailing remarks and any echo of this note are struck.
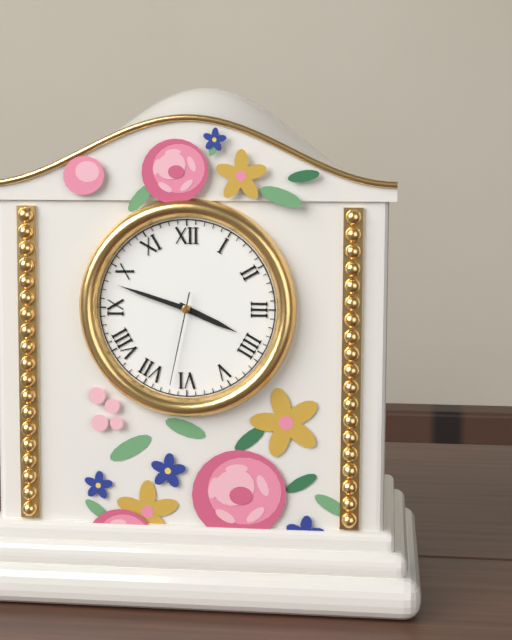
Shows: 3:48:32
